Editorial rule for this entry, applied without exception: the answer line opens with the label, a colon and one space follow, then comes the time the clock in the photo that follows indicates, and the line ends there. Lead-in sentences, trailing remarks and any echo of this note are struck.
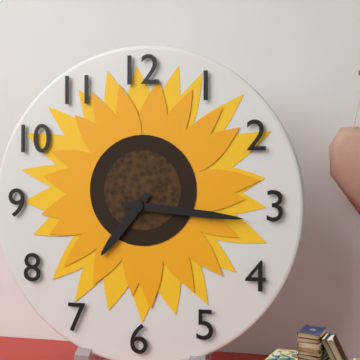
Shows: 7:16
